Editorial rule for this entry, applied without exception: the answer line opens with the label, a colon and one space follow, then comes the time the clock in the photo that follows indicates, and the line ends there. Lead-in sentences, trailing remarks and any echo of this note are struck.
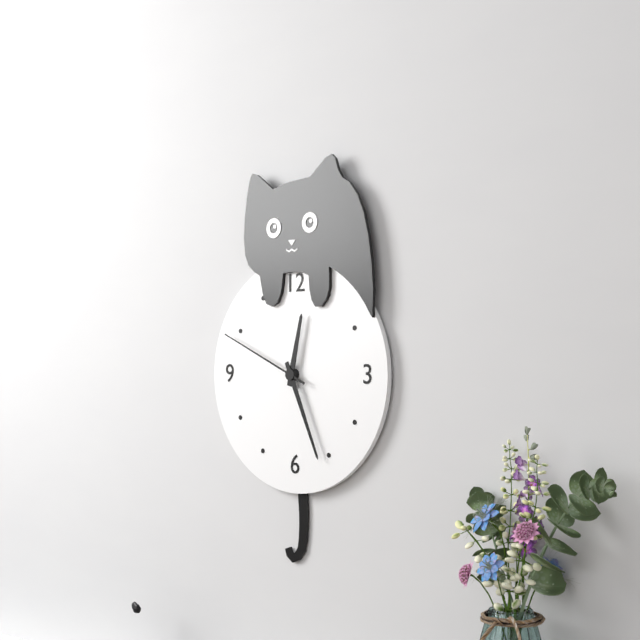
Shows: 12:26:49
